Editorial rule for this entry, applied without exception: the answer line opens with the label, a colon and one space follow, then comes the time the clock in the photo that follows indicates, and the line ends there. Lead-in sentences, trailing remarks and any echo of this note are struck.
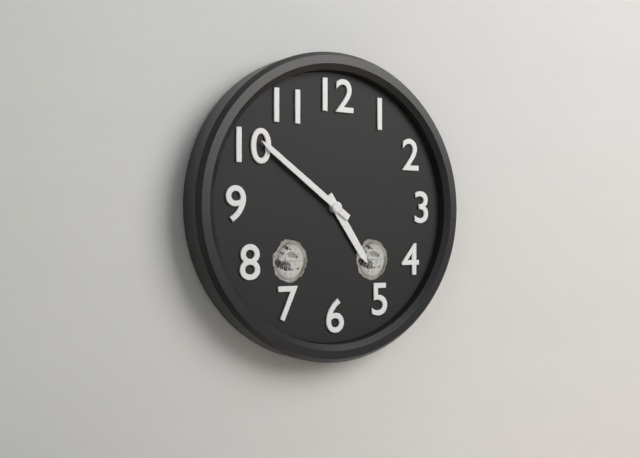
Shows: 4:51
